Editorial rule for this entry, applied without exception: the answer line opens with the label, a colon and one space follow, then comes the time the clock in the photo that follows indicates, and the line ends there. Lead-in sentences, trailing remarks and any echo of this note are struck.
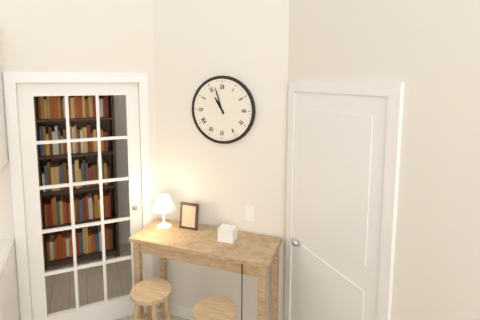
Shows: 10:57
